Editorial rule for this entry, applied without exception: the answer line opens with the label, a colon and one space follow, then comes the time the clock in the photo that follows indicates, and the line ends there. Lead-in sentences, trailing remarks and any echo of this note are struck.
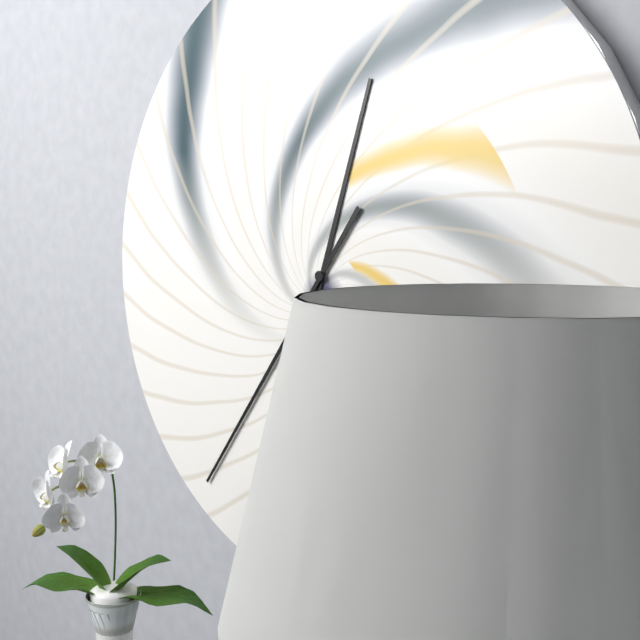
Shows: 12:36
